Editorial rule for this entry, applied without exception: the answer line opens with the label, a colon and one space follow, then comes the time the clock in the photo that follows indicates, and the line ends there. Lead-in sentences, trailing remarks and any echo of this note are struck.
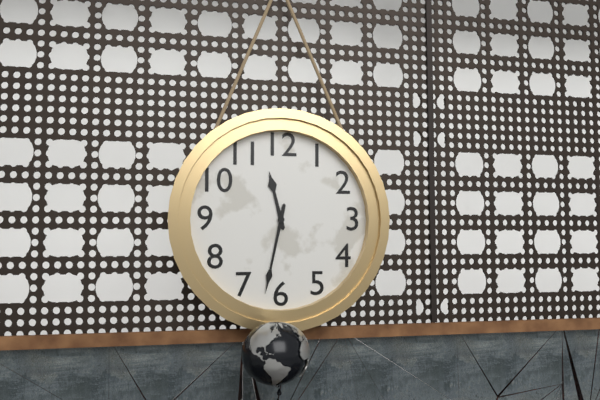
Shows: 11:32
